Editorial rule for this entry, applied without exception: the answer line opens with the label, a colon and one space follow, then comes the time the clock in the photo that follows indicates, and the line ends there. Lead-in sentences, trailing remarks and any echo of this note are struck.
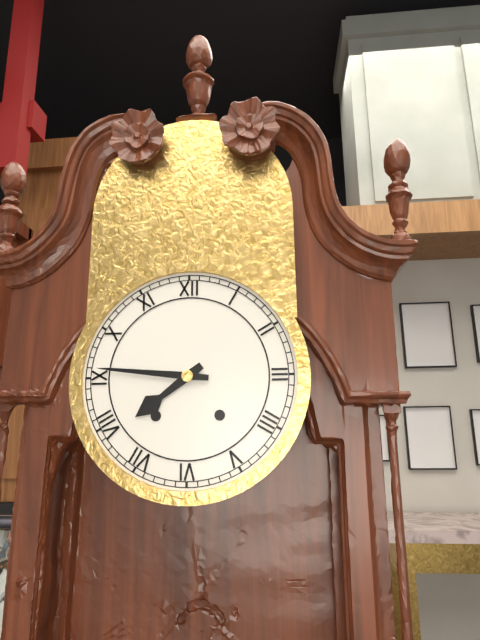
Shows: 7:46
